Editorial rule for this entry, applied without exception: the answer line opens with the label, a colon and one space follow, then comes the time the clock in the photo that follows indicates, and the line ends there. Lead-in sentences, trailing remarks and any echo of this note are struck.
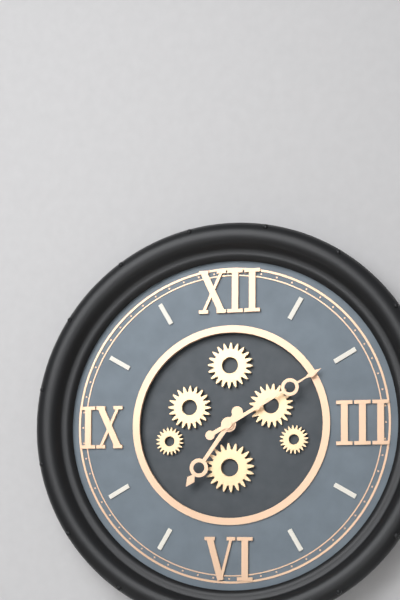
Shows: 7:10
